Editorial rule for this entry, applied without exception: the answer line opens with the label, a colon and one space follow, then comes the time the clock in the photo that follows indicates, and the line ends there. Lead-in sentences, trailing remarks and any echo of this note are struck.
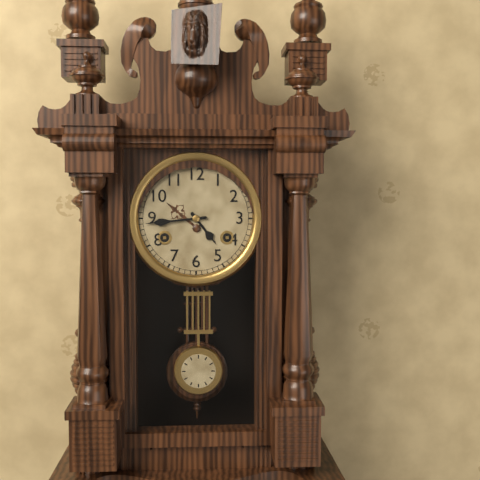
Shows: 4:44
